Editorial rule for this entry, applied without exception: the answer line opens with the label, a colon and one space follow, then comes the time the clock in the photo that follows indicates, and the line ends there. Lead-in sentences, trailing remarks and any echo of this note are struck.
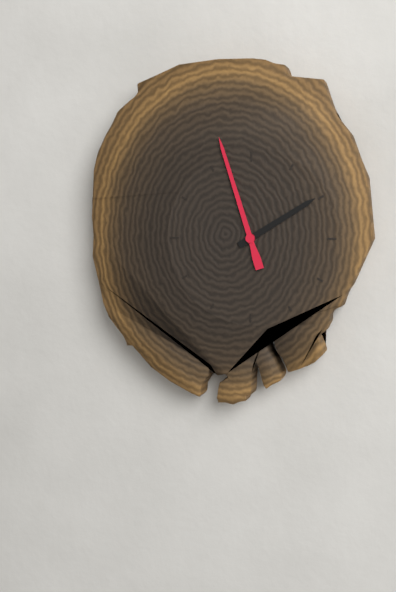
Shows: 1:57
